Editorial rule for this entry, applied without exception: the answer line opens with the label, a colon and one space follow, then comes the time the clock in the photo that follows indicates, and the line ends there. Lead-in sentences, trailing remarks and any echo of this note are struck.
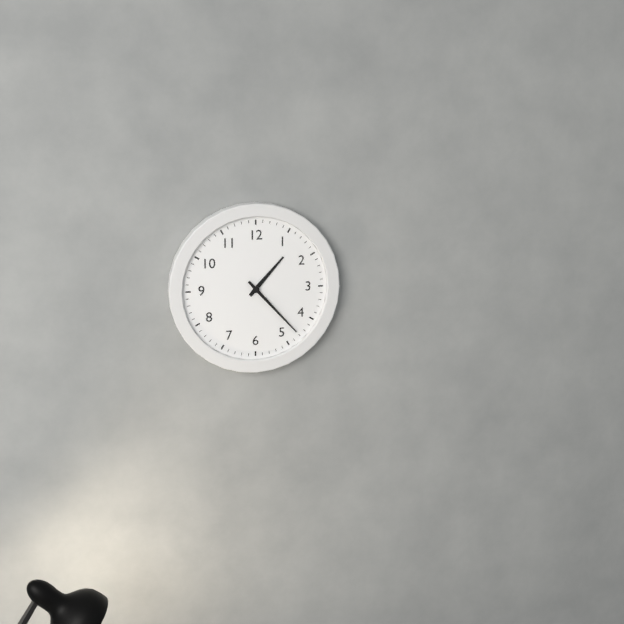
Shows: 1:23
